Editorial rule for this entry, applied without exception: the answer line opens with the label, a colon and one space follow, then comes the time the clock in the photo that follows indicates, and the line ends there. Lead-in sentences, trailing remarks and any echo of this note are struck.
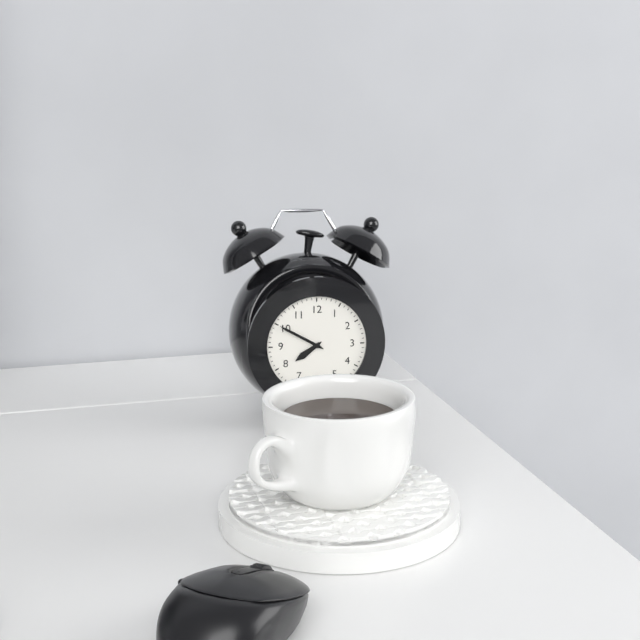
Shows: 7:50
